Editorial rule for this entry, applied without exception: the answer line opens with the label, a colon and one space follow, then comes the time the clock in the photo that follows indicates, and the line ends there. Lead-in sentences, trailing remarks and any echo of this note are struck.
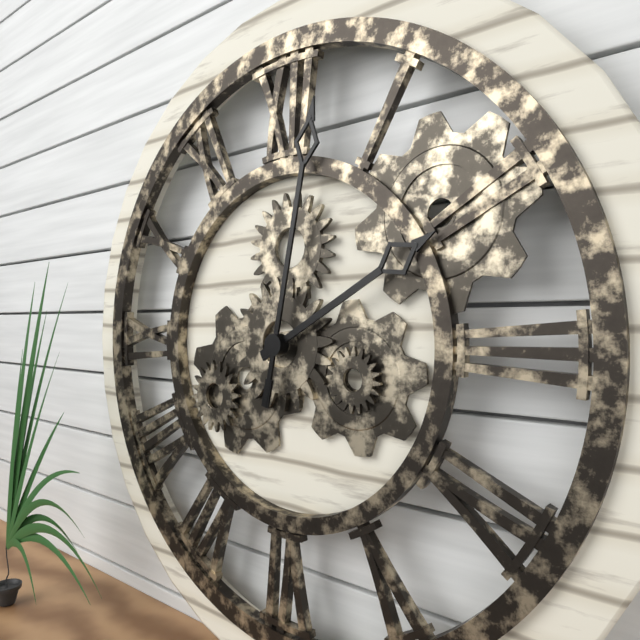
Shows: 2:02
